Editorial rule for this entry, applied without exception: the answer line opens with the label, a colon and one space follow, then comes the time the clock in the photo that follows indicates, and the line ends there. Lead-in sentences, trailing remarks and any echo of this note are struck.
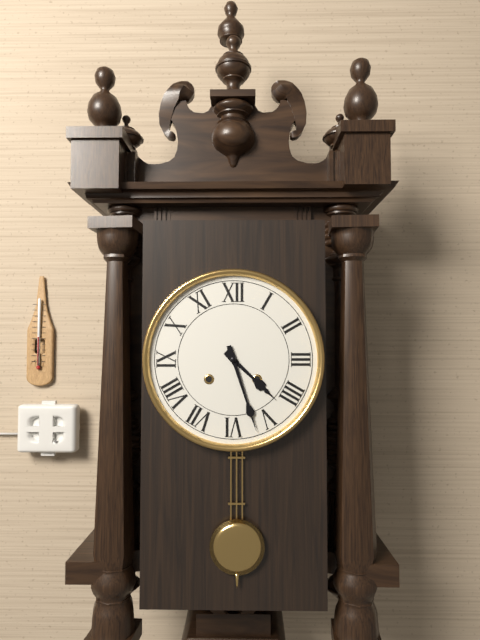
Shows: 4:27
